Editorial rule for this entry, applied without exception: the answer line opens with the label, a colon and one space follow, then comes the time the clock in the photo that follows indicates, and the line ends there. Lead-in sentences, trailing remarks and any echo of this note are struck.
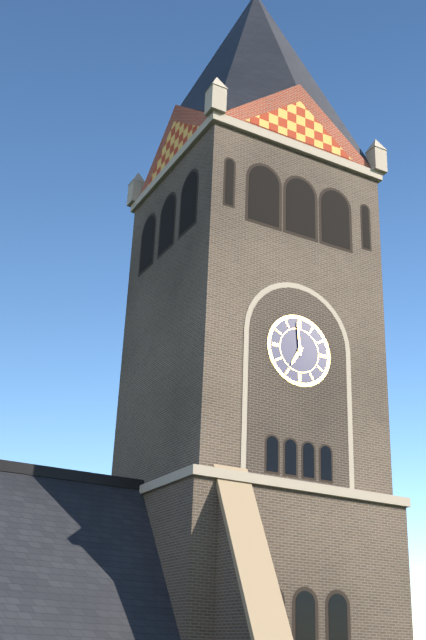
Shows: 6:59
